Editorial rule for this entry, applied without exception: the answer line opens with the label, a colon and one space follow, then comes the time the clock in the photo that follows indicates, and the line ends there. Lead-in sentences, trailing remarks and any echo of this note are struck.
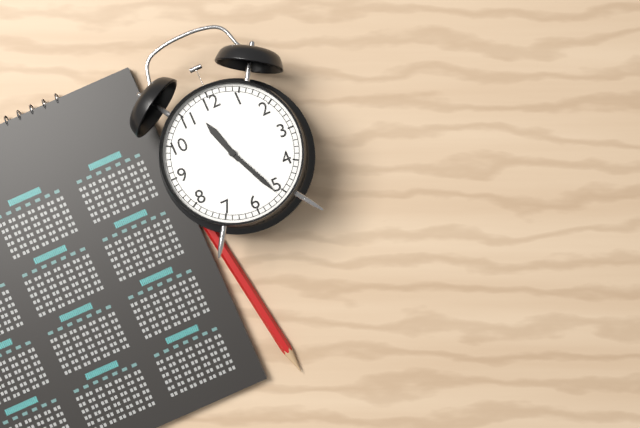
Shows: 11:26
